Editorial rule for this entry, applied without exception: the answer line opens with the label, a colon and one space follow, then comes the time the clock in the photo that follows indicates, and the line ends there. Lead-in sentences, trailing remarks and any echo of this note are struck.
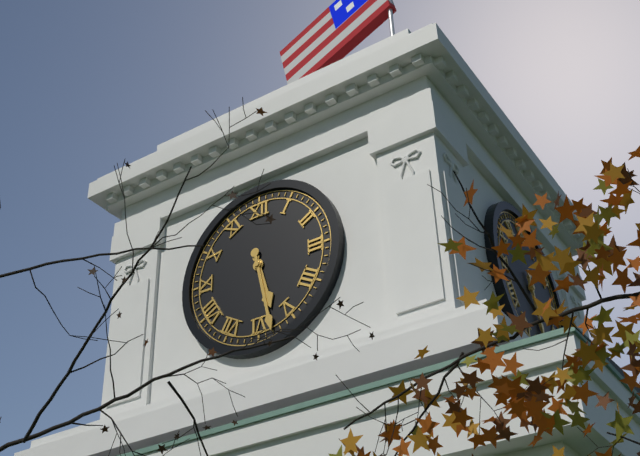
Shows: 5:28
